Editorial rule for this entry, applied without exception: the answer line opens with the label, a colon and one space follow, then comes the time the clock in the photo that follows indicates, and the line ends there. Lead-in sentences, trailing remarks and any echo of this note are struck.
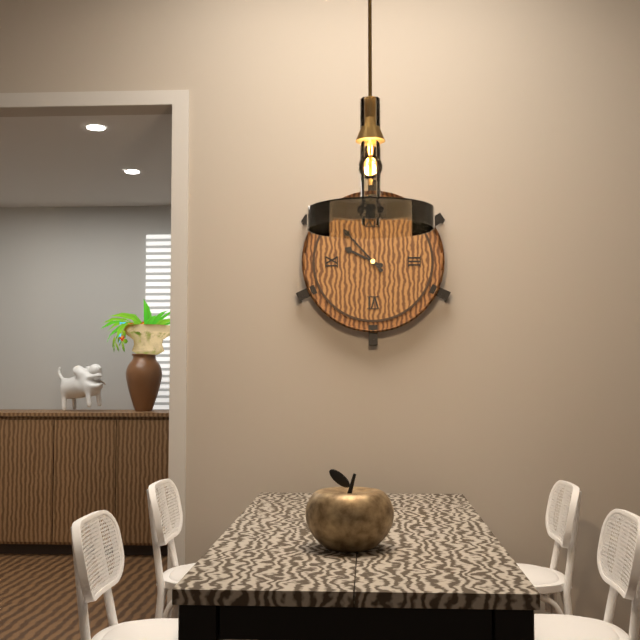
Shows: 9:53
